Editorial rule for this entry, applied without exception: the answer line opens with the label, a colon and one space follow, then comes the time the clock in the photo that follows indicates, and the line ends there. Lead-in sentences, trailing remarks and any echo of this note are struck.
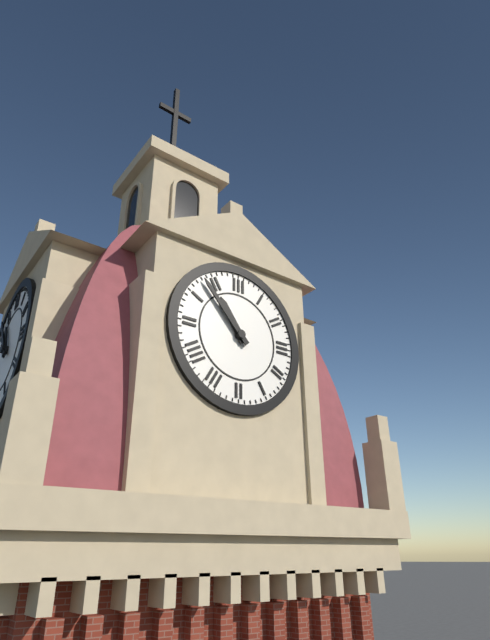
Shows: 10:53
